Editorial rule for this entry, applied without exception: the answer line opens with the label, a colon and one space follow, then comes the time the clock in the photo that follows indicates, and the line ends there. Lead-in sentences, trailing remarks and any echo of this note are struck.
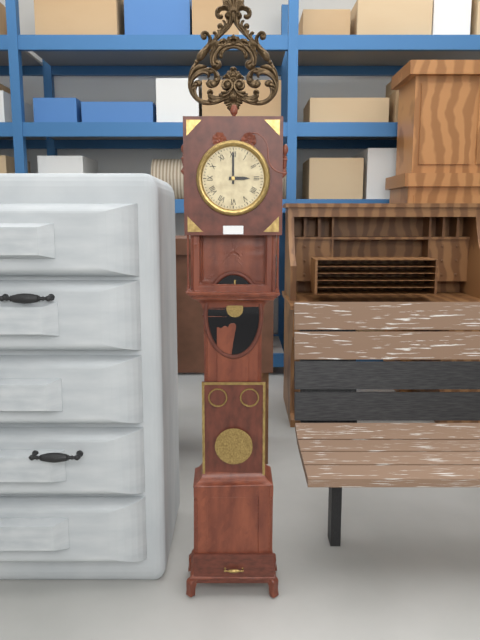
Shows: 3:00
